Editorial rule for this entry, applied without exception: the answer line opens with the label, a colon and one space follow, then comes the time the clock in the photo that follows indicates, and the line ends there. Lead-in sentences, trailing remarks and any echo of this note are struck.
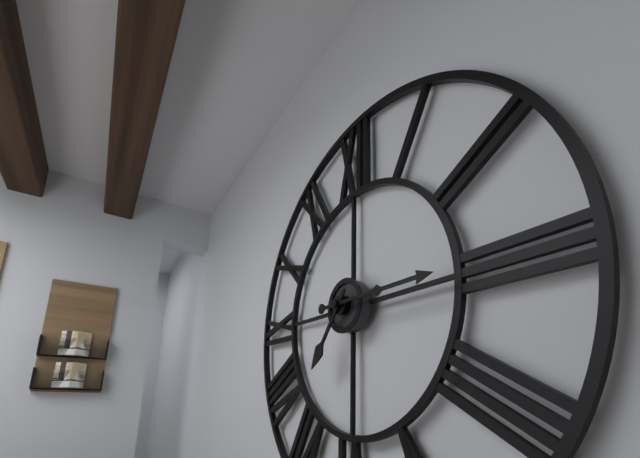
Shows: 7:15
